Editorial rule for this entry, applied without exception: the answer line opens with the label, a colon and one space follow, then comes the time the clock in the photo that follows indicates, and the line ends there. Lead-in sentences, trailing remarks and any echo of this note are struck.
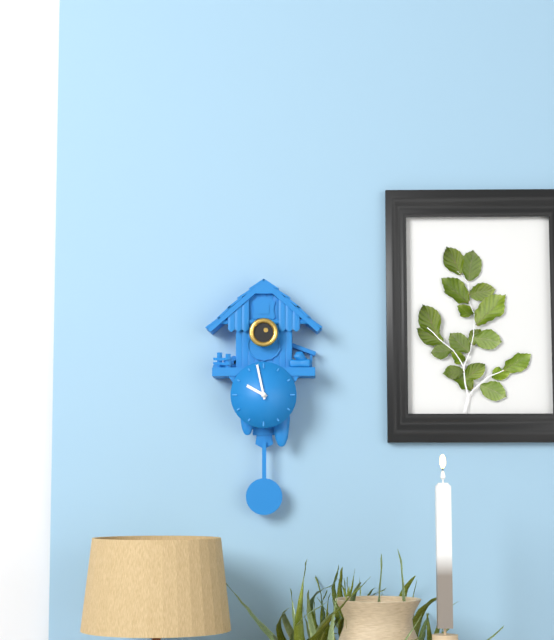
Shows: 9:58
